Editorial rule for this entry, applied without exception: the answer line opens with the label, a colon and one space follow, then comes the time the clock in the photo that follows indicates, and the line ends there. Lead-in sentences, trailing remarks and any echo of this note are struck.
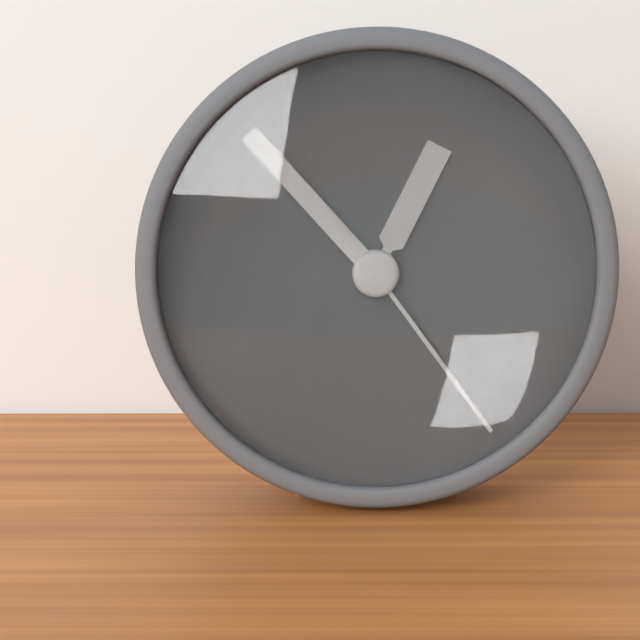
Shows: 12:53:24
